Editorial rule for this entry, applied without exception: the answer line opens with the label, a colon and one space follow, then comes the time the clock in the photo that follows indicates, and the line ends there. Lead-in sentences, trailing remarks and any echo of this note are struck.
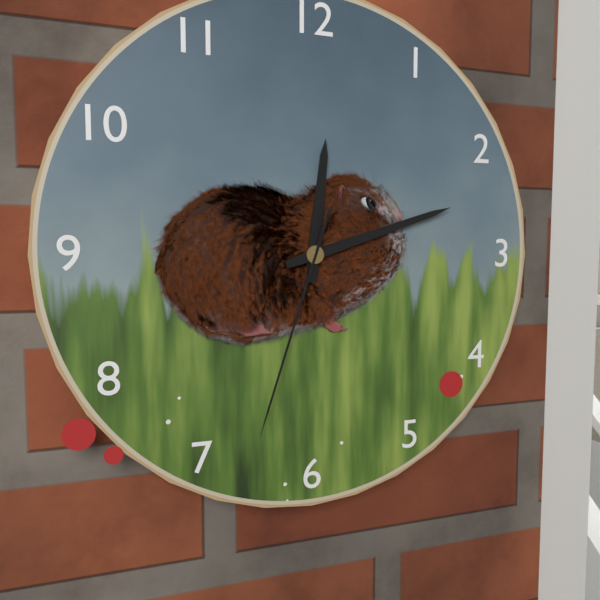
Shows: 12:12:33
